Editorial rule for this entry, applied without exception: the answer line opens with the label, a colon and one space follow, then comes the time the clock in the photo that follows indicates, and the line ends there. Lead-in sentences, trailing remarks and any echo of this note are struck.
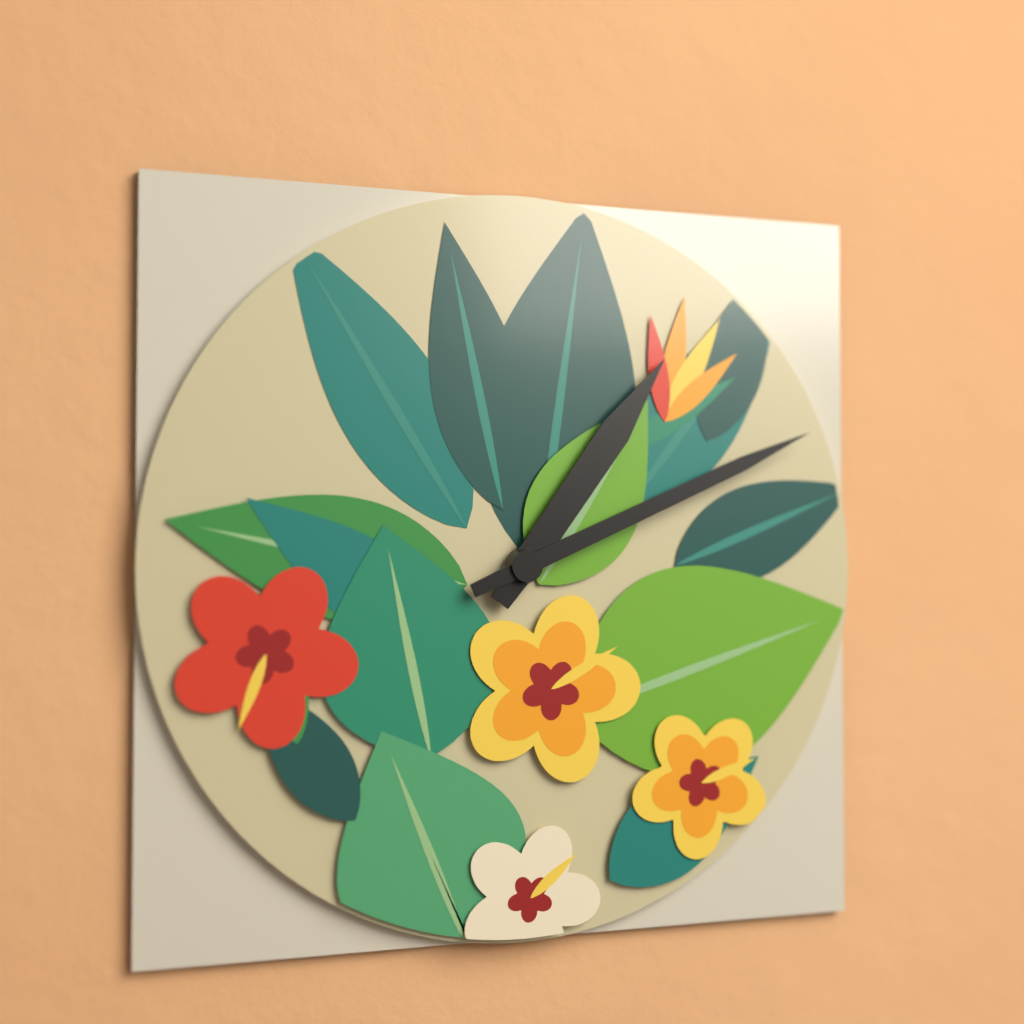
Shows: 1:11
